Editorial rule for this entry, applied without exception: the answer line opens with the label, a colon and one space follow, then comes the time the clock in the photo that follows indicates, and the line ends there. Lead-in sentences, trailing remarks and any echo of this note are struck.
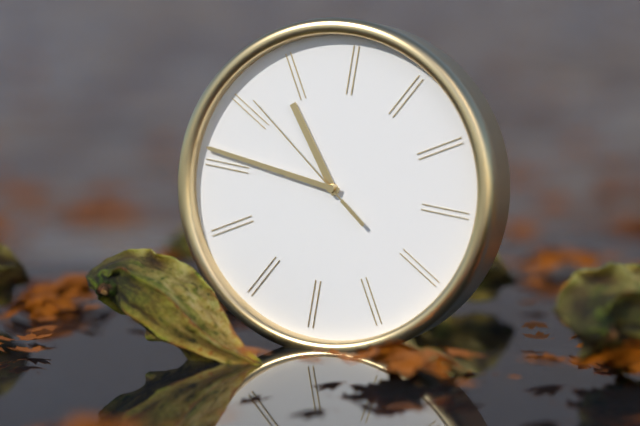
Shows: 10:46:51
